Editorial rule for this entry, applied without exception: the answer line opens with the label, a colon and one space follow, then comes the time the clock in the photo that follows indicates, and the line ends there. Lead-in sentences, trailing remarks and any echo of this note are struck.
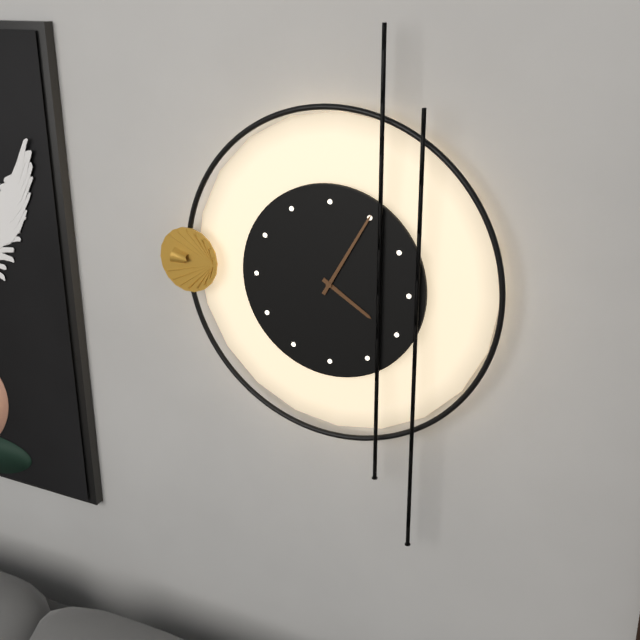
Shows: 4:05
